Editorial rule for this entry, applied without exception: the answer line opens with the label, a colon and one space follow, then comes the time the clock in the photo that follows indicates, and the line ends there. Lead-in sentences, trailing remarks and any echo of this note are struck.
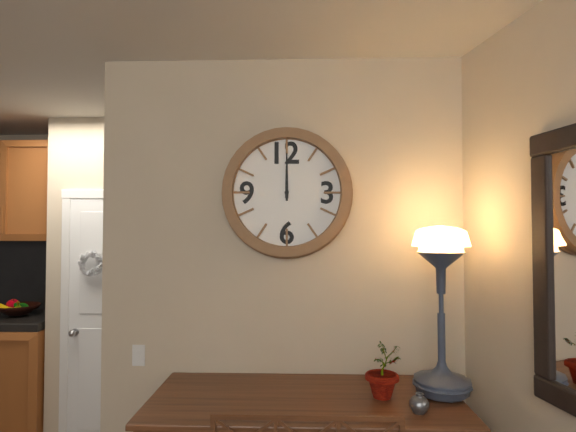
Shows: 12:00
